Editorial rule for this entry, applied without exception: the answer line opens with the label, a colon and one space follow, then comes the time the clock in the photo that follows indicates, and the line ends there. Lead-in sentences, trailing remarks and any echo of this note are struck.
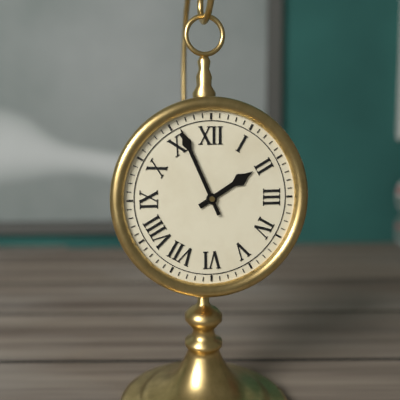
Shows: 1:56
